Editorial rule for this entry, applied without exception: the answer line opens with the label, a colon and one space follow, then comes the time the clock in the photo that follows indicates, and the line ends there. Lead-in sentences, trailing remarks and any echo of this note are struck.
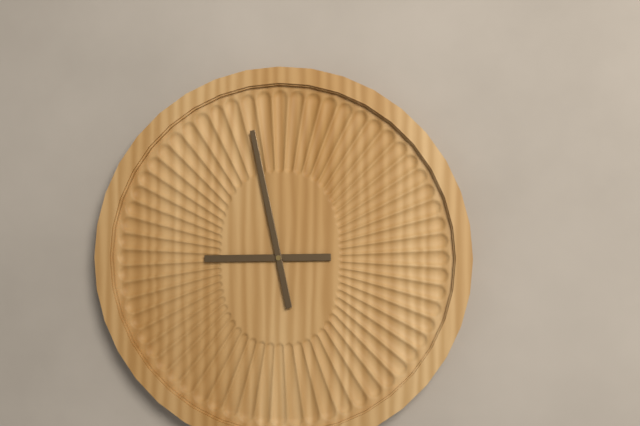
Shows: 8:58
